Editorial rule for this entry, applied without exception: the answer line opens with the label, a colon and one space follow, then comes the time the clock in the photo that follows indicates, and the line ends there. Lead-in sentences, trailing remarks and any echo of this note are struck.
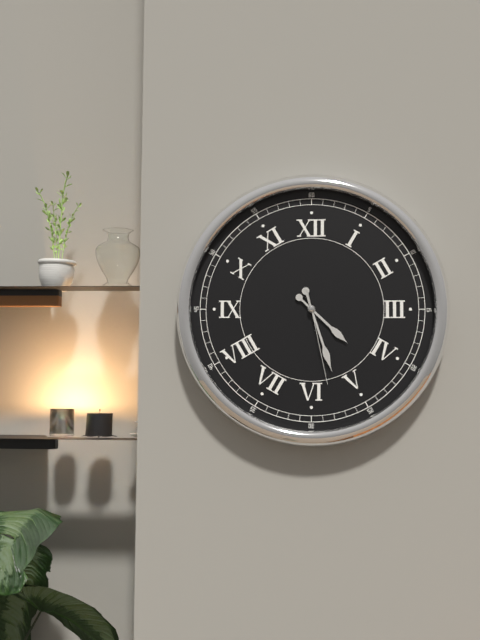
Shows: 4:27:28
